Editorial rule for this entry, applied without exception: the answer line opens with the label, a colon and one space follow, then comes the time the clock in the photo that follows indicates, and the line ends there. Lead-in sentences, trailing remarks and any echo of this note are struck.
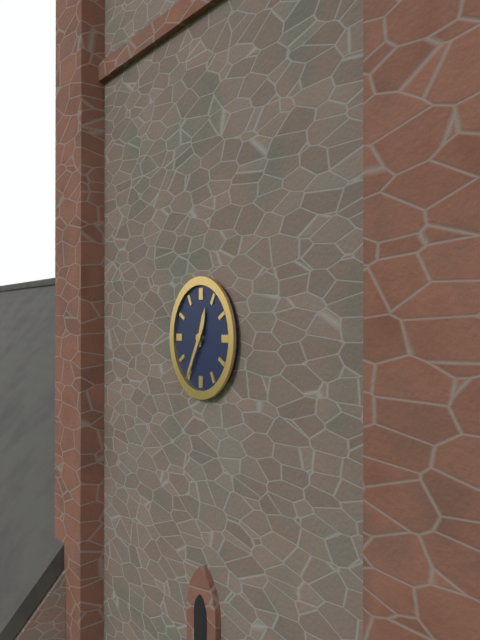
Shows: 12:35
